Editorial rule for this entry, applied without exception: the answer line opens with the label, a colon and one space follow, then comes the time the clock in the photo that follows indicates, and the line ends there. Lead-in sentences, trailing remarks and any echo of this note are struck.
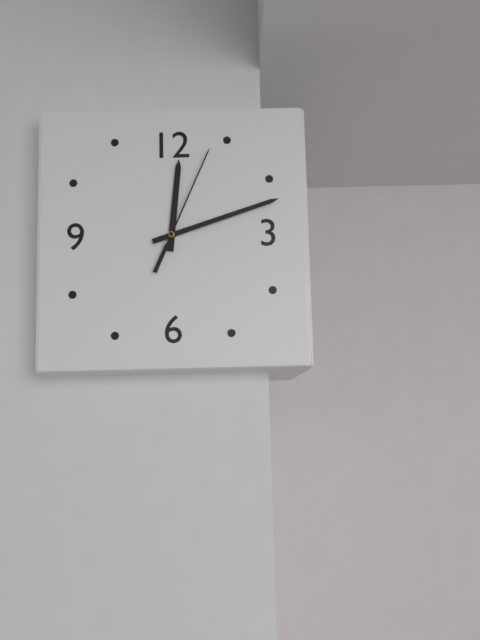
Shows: 12:12:04
